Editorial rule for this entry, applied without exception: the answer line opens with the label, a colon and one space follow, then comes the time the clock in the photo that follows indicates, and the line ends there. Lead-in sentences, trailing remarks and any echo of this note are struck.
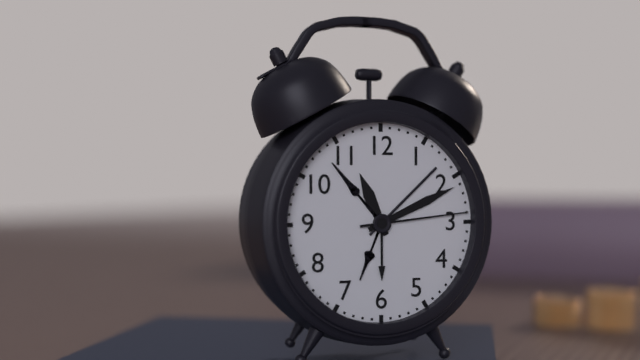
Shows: 11:11:14
